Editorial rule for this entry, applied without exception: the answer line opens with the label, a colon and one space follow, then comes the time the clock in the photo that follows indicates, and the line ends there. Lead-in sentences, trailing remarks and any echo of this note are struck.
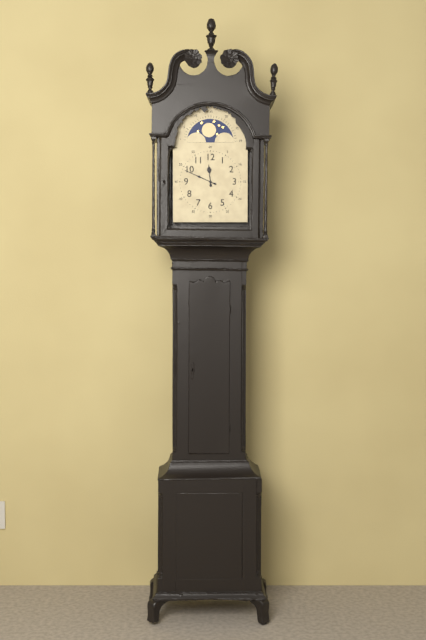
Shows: 11:49
